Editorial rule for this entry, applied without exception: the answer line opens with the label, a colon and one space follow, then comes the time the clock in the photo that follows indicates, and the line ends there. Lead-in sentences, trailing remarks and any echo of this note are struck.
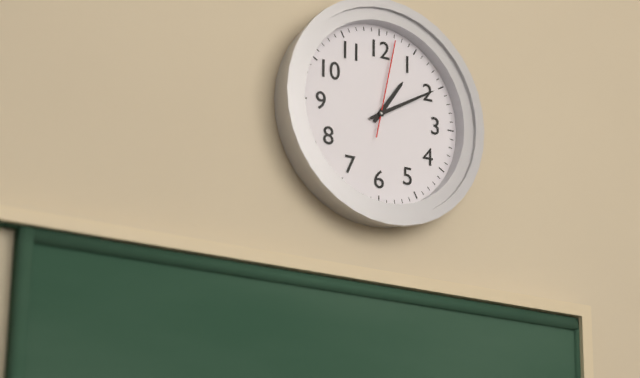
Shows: 1:10:02
